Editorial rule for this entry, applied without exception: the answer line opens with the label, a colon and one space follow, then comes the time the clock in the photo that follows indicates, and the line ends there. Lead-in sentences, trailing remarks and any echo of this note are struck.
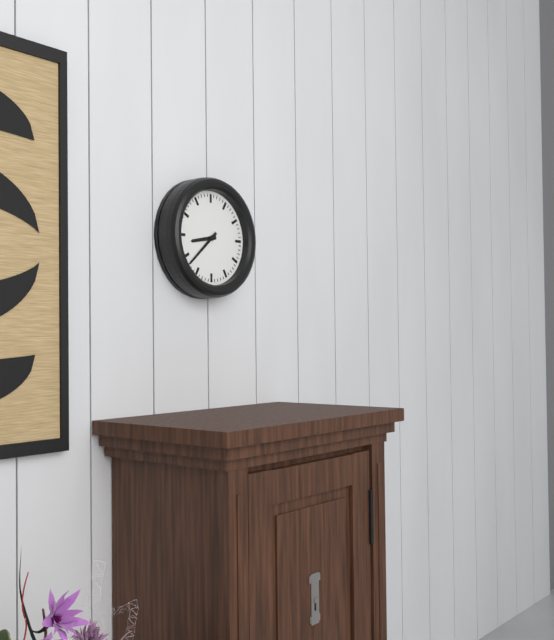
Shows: 8:38
